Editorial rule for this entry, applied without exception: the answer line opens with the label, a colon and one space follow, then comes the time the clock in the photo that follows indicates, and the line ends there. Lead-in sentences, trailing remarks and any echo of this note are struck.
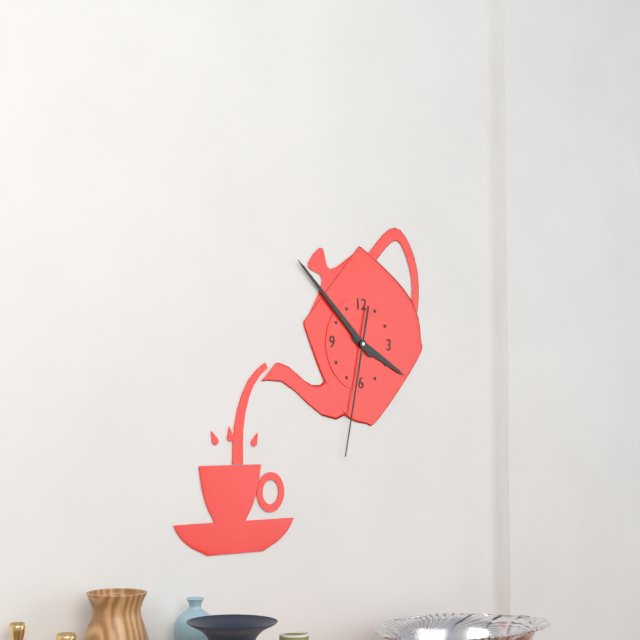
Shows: 3:52:32
